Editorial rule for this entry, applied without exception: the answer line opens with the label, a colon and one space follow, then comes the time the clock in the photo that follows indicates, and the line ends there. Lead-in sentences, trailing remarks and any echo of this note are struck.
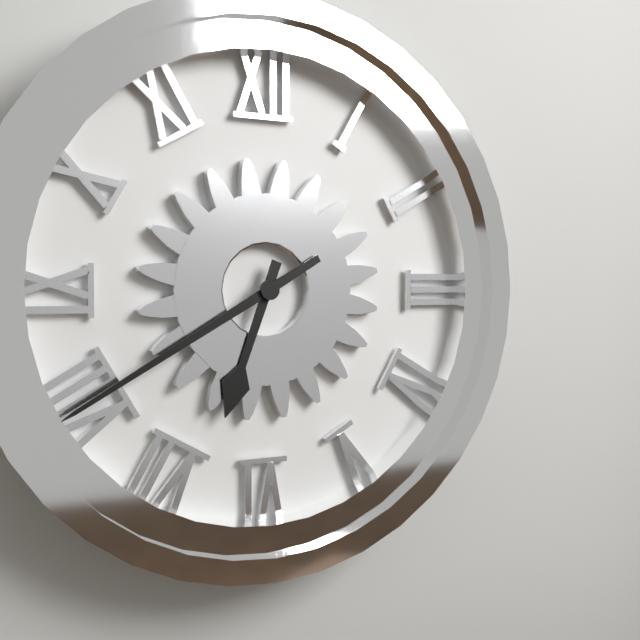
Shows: 6:40
